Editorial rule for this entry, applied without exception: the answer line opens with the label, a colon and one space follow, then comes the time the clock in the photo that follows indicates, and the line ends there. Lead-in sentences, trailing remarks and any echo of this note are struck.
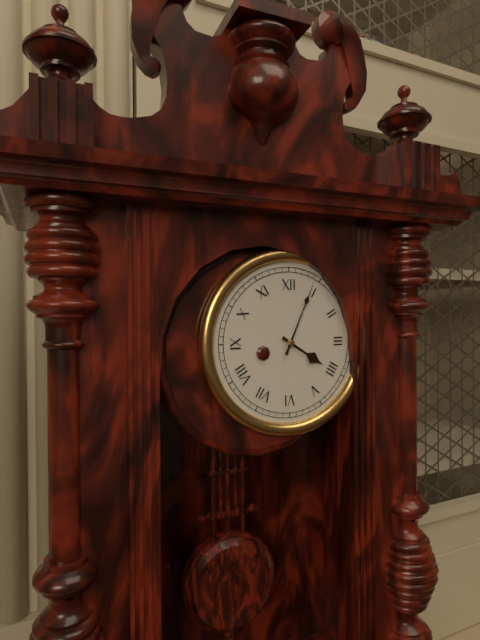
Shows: 4:04
